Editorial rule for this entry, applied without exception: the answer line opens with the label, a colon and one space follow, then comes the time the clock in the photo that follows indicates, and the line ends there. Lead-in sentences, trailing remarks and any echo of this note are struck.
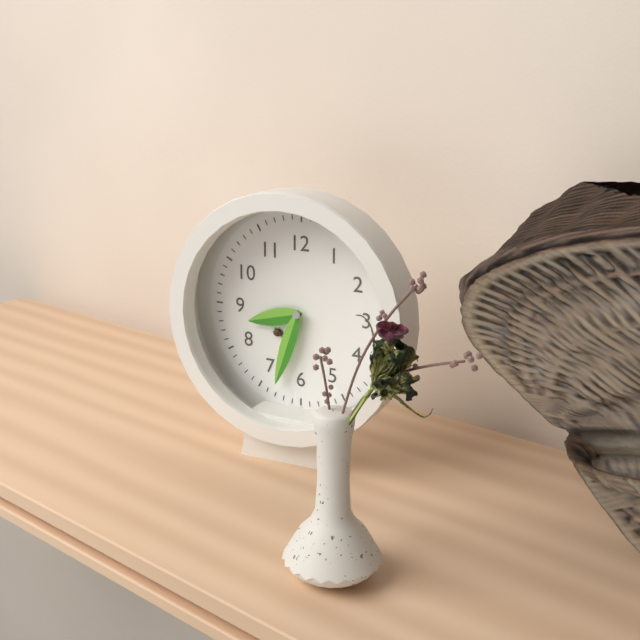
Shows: 8:33
